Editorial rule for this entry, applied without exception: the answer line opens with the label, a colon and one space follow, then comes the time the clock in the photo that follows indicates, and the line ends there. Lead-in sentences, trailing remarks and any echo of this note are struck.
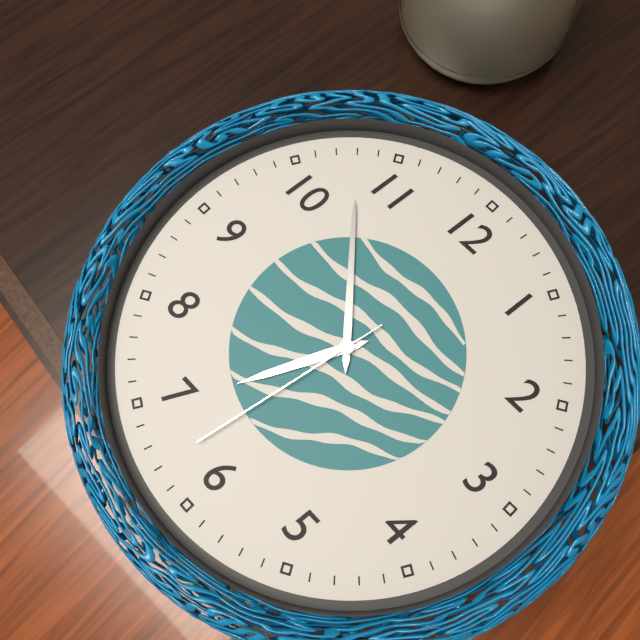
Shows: 6:53:32
